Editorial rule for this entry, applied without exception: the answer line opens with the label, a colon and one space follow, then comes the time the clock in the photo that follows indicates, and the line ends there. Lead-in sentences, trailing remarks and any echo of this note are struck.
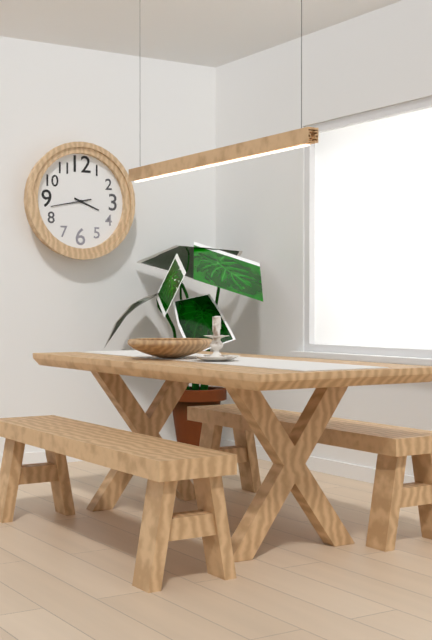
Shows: 3:43
